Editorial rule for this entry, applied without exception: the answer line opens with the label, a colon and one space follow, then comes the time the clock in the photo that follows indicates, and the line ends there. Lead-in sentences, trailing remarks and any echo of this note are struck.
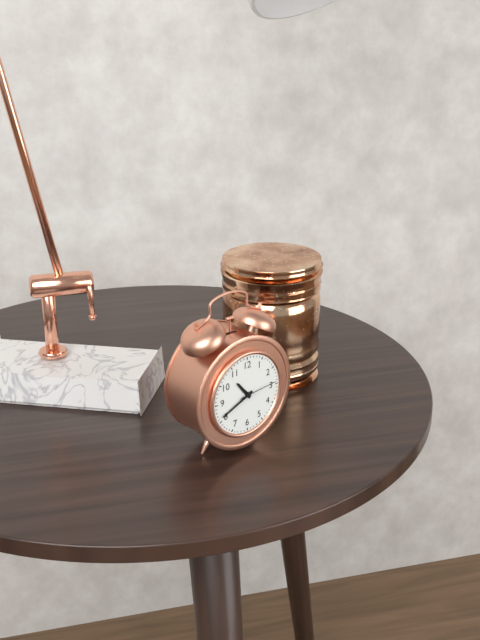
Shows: 10:41
